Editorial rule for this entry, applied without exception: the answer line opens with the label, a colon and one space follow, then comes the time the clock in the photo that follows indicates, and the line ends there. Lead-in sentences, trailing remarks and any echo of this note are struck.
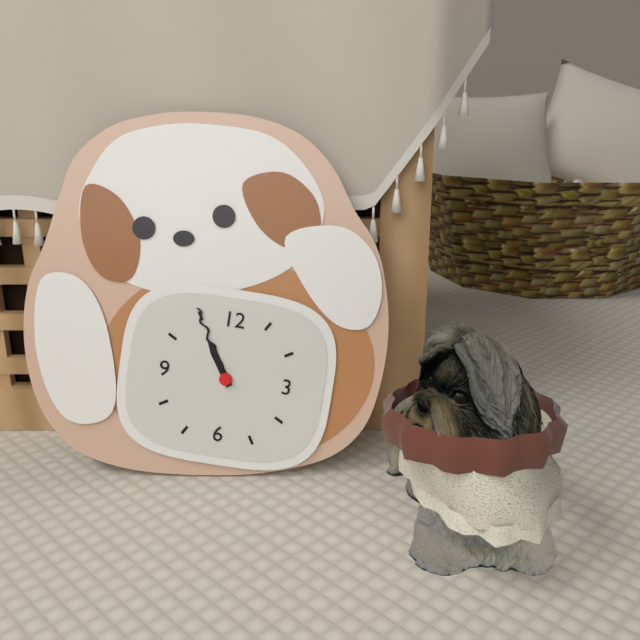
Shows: 10:55
